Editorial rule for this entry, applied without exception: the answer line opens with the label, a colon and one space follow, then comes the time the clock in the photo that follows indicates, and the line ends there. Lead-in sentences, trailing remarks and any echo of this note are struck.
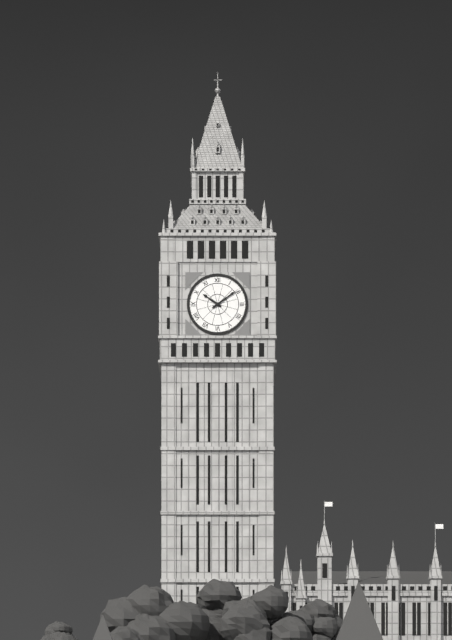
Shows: 10:09
